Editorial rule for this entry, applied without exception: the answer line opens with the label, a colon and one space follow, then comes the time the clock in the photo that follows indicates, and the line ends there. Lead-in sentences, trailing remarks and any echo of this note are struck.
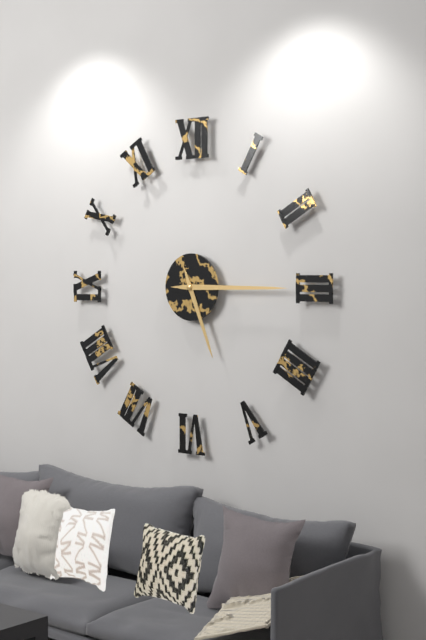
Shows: 5:15
